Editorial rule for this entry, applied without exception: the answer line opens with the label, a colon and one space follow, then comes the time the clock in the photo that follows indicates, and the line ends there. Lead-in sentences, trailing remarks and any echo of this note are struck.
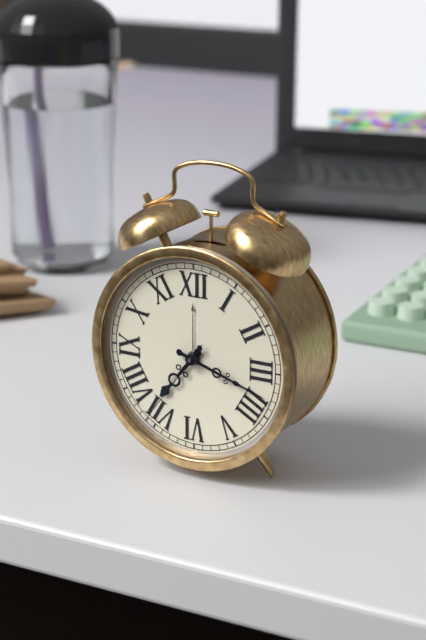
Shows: 7:18:36
